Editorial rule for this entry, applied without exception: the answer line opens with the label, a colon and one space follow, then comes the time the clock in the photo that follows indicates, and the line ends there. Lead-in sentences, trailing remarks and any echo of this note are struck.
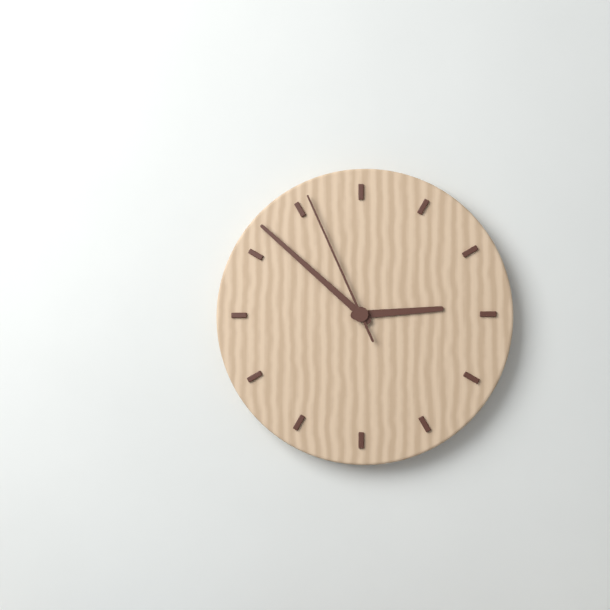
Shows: 2:52:56
